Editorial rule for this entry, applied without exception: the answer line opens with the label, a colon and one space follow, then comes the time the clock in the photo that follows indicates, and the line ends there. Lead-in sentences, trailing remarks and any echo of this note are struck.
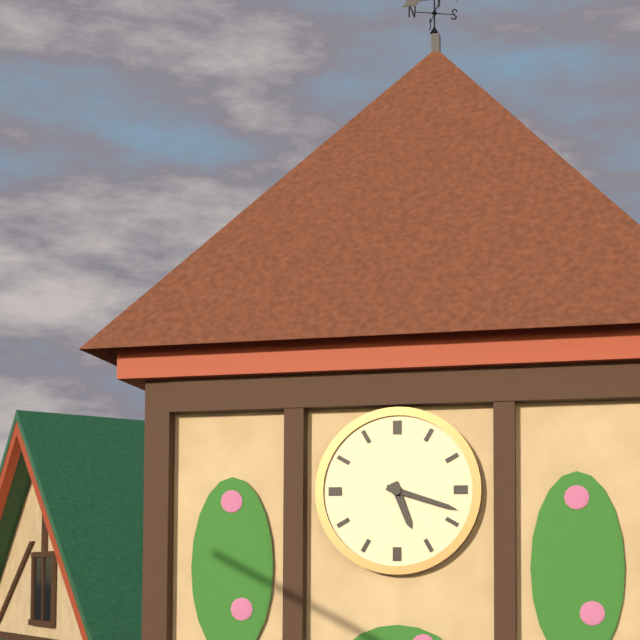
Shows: 5:18
